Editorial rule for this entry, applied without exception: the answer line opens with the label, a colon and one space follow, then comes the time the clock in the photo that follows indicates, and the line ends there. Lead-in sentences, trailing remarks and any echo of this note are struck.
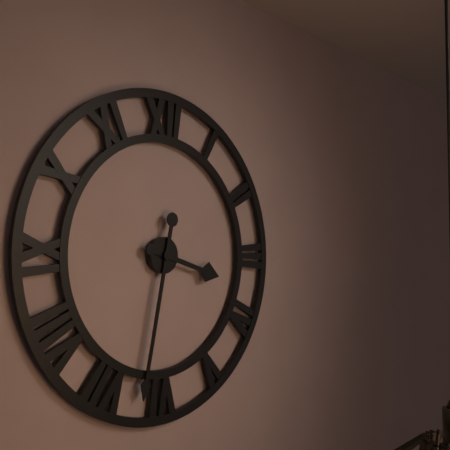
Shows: 3:32
